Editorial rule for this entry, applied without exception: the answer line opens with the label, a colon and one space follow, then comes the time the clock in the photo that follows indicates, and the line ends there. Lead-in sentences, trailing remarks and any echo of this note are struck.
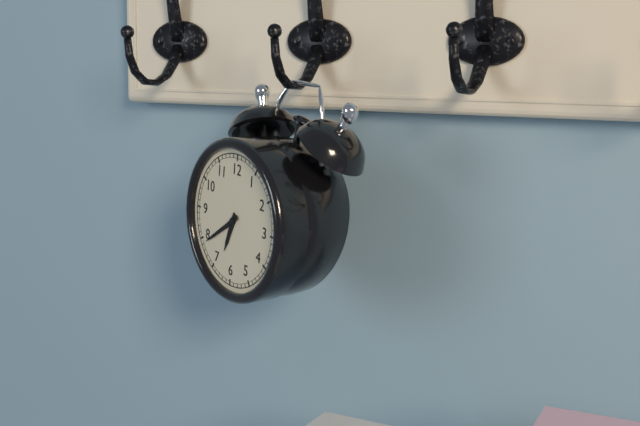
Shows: 6:39
